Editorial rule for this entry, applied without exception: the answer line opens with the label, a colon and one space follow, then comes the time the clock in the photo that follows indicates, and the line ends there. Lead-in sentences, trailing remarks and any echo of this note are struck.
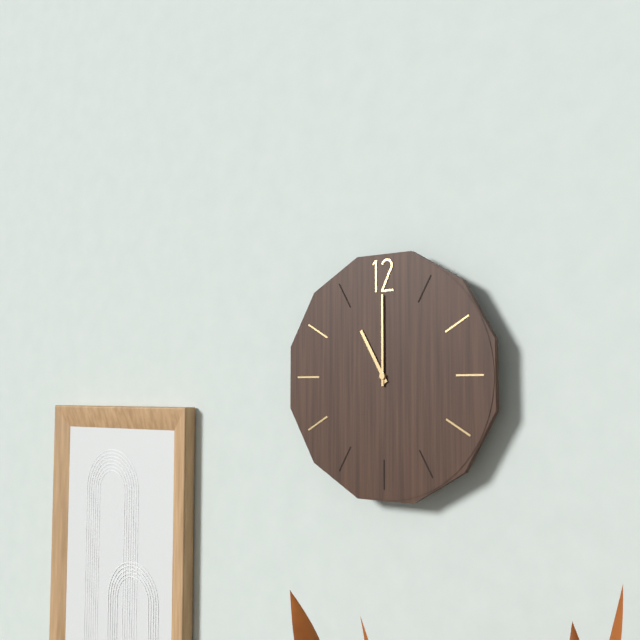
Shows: 11:00
